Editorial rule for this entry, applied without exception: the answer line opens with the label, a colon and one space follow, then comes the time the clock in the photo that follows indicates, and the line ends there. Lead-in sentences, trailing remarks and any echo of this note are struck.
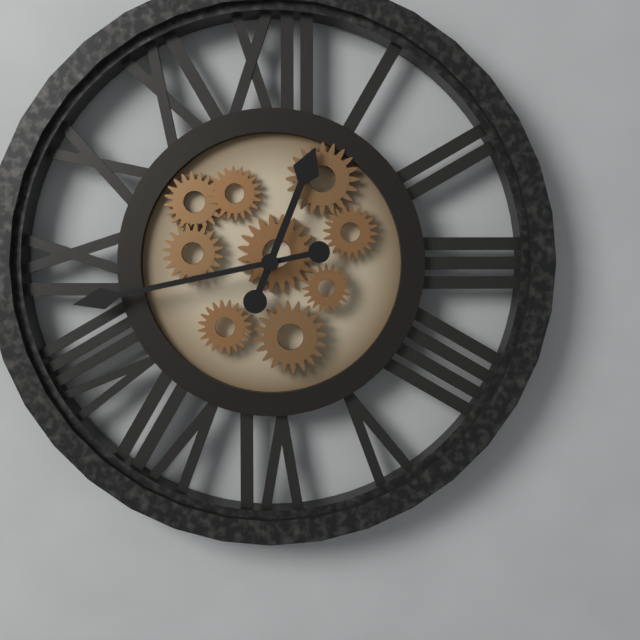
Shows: 12:43
